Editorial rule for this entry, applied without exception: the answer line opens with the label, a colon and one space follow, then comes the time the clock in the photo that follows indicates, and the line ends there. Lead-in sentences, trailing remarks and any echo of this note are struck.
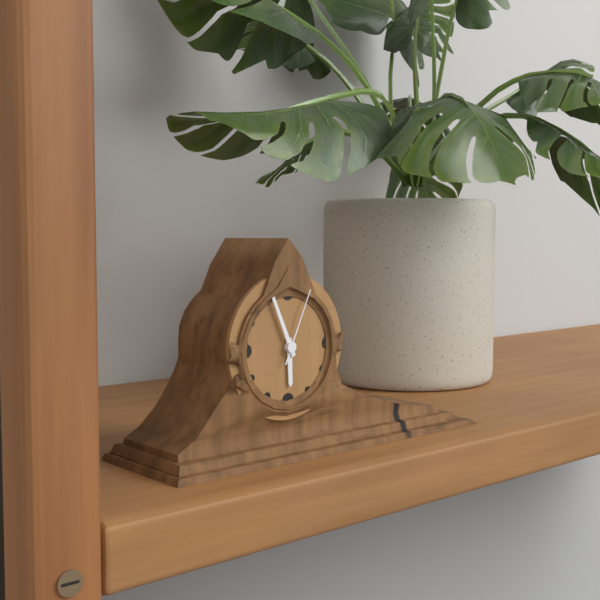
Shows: 5:56:04
